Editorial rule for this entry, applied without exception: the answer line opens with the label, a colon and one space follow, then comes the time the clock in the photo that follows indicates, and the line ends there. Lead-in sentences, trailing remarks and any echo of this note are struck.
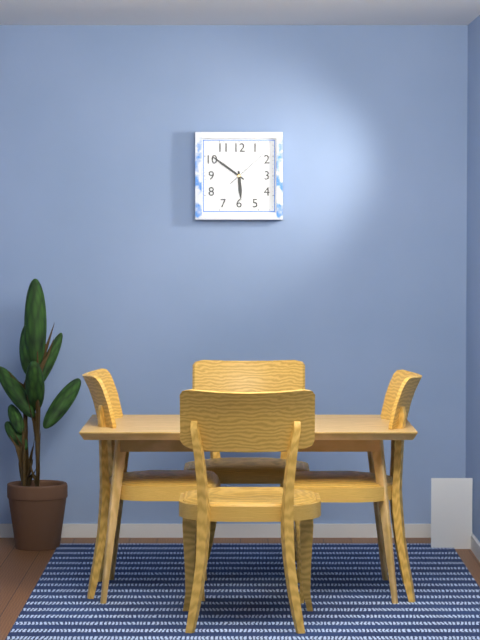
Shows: 5:51
